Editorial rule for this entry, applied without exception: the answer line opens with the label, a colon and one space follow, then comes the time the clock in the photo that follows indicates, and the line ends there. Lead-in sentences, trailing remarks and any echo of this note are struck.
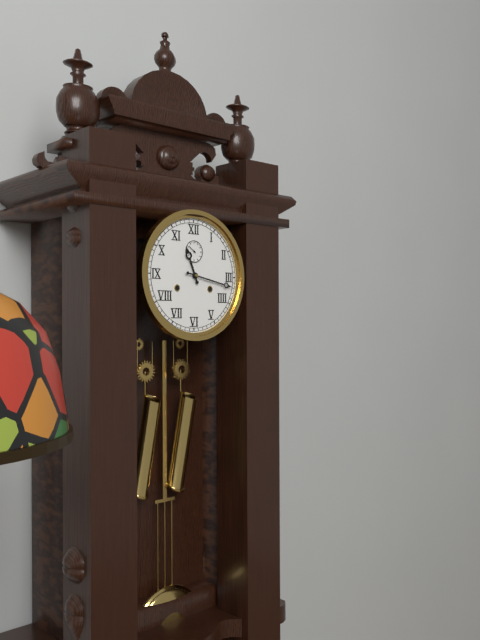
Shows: 11:17
